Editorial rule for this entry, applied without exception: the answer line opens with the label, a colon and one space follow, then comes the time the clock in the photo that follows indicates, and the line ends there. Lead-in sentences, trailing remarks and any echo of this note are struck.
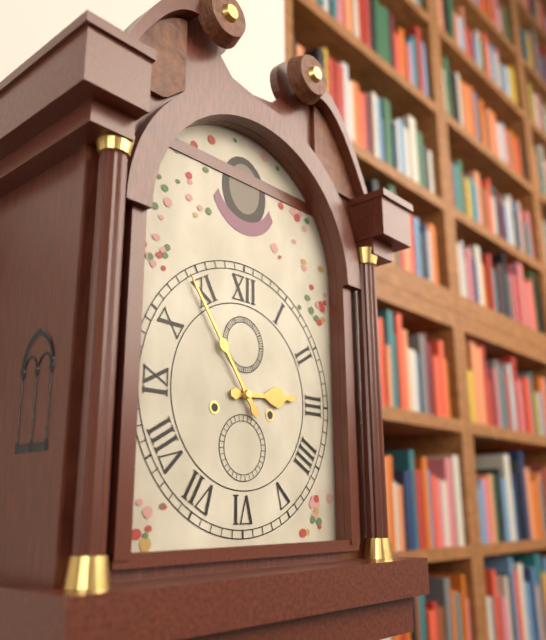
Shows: 2:54
